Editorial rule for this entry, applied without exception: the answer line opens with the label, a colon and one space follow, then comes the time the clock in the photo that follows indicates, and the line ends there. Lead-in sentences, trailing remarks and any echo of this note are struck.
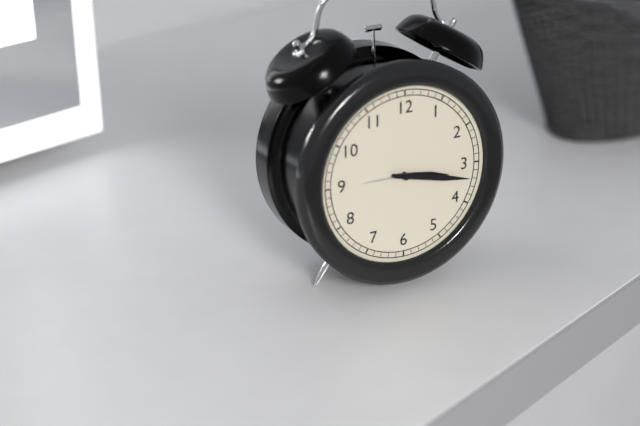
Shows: 3:17
